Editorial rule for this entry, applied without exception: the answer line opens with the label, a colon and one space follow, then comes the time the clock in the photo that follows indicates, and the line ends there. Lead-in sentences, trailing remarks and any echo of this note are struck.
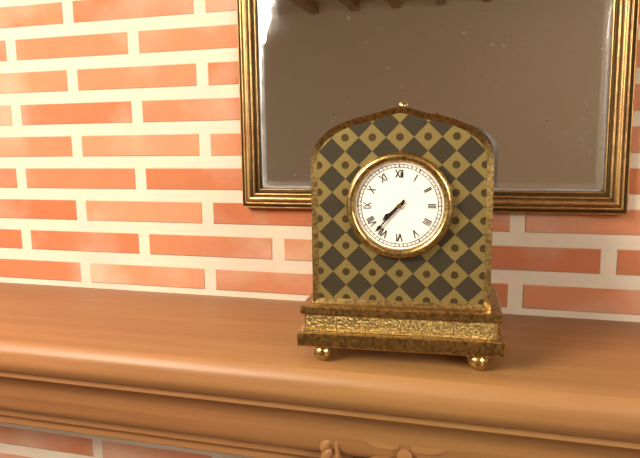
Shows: 7:37
